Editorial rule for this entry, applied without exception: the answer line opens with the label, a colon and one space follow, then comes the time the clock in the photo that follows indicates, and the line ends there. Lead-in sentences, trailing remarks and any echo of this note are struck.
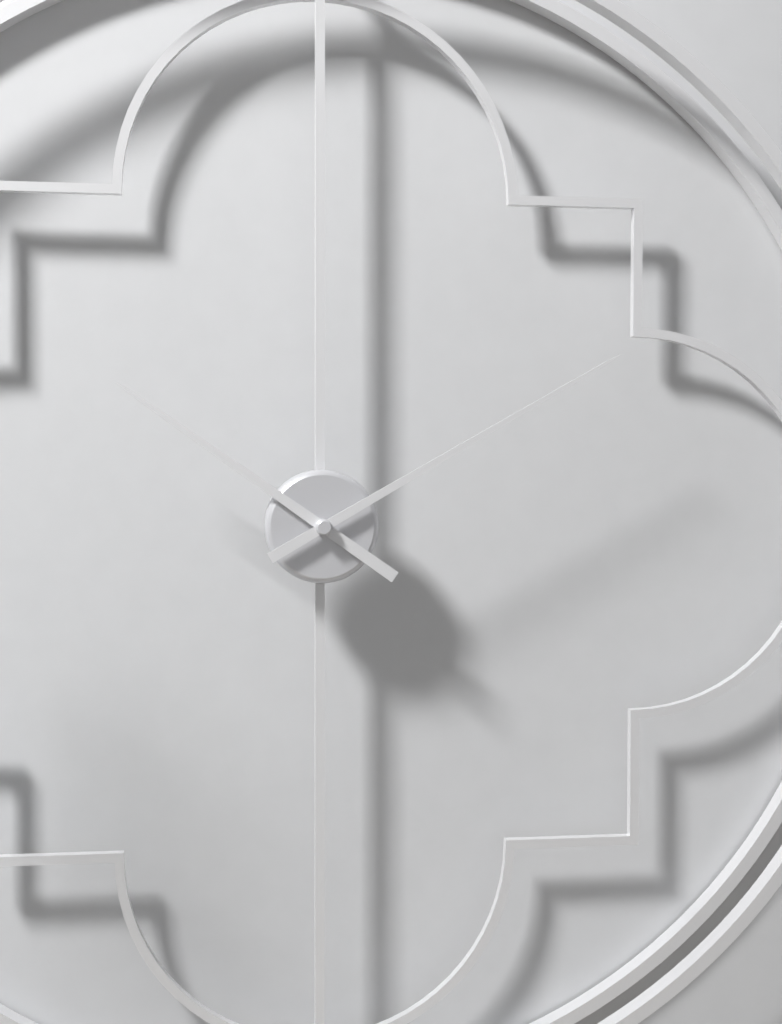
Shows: 10:10
